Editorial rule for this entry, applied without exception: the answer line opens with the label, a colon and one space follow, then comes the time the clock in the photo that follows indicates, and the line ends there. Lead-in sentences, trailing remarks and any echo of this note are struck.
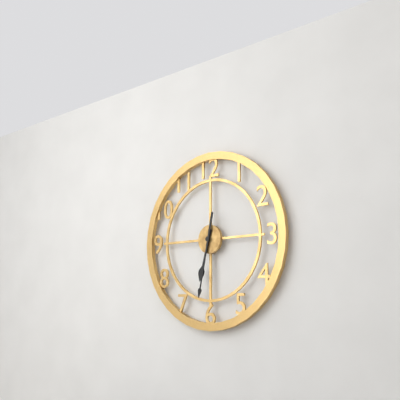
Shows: 6:32
